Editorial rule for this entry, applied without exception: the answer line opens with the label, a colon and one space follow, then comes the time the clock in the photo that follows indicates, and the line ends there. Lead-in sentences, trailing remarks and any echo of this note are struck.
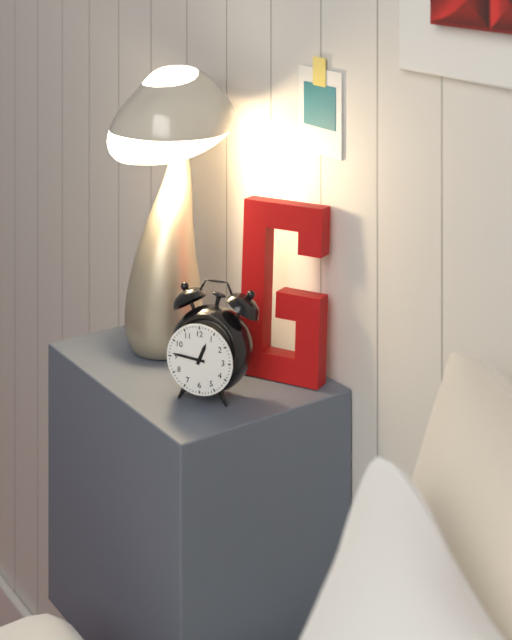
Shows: 12:46
